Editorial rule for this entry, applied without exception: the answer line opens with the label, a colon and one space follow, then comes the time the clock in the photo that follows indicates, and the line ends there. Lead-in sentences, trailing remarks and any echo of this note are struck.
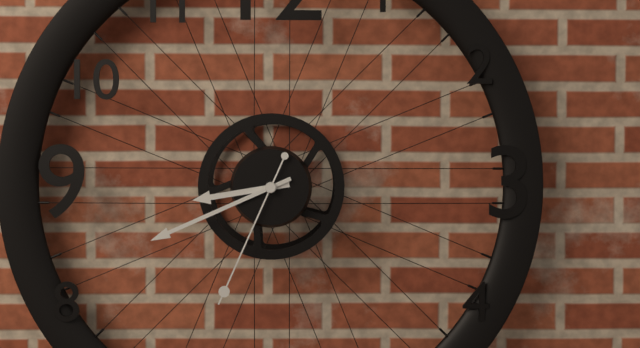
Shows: 8:41:34
